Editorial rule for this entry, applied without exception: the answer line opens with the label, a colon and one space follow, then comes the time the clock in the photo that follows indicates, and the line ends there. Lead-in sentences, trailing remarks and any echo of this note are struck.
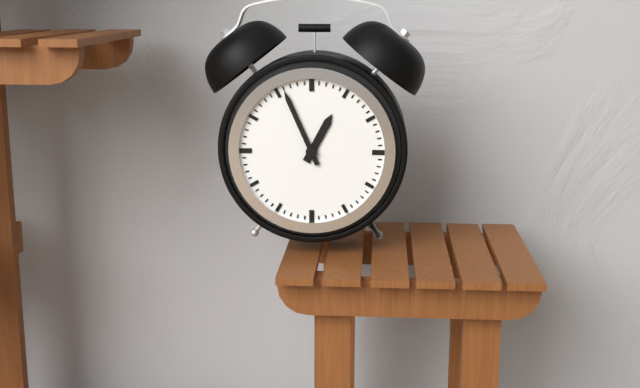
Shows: 12:56
